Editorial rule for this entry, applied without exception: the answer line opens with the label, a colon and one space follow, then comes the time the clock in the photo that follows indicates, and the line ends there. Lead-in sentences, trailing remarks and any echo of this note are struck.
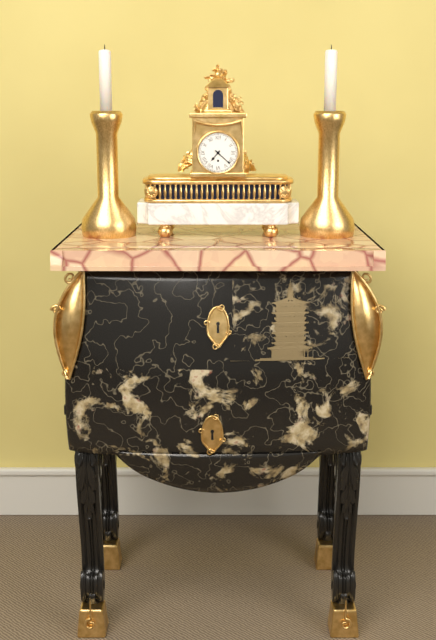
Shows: 7:22
